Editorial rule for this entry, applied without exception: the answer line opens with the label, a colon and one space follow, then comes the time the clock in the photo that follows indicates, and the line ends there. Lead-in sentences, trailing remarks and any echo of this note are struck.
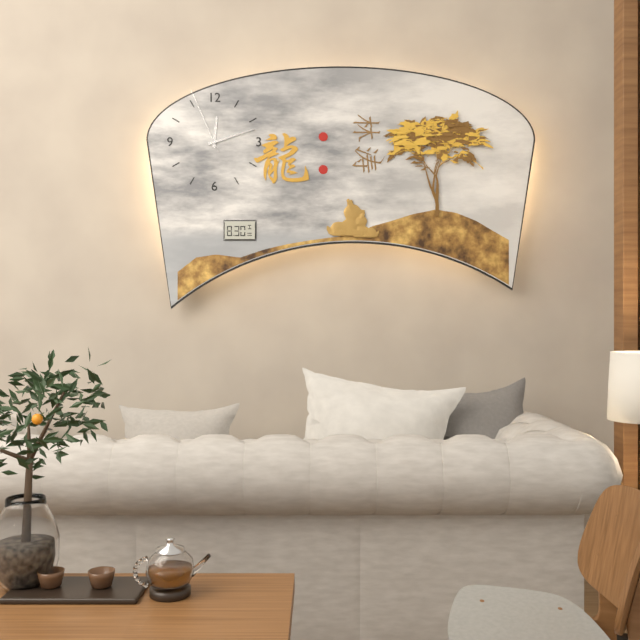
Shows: 12:12:56
